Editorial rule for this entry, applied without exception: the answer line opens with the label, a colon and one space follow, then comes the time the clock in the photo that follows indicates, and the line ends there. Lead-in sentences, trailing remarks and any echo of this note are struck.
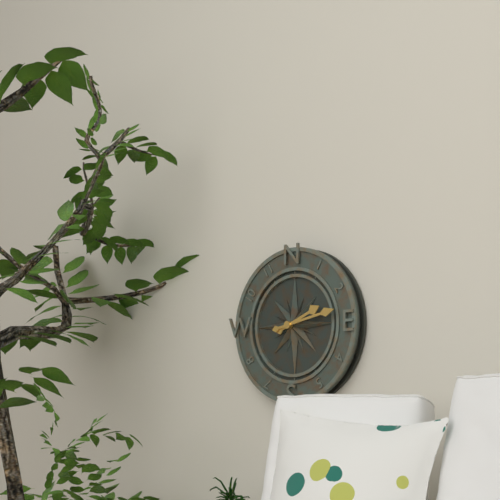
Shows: 2:13
